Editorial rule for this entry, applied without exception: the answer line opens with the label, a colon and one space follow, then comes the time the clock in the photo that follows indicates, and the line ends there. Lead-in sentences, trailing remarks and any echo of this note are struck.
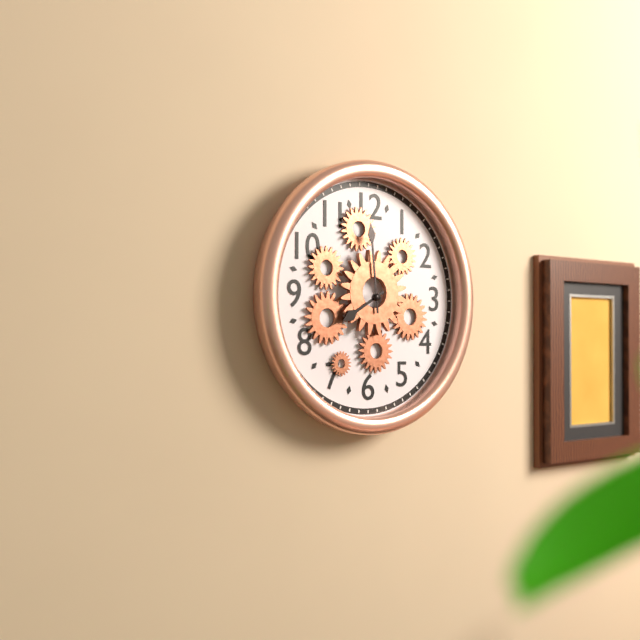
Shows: 7:59
